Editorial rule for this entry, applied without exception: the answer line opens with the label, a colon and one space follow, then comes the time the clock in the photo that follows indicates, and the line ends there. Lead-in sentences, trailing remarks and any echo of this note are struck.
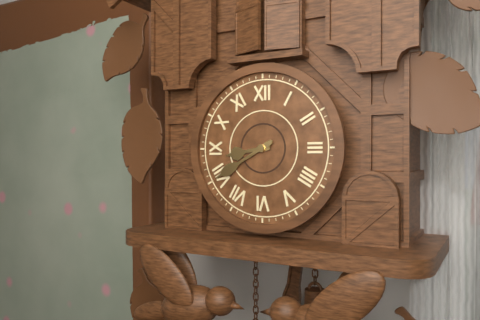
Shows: 8:40
